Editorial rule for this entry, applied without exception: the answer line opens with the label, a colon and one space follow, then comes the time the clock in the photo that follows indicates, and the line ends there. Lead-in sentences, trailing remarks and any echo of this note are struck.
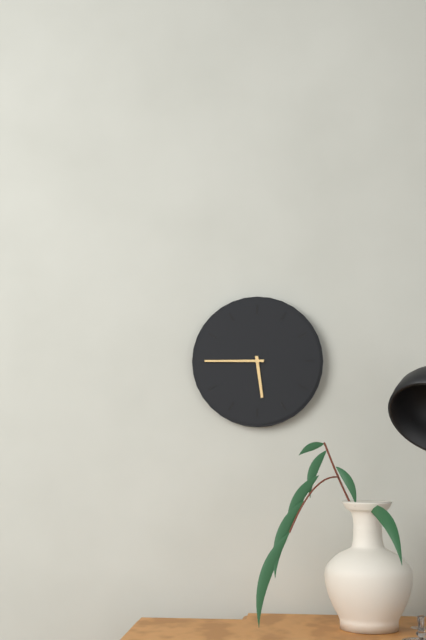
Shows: 5:45
